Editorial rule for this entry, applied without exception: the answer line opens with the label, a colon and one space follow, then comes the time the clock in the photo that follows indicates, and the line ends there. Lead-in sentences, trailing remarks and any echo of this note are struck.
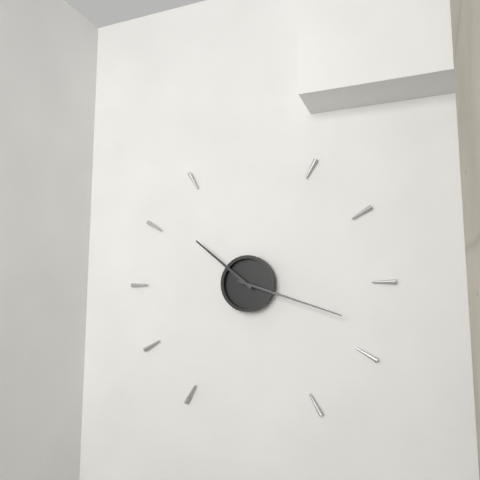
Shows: 10:18
